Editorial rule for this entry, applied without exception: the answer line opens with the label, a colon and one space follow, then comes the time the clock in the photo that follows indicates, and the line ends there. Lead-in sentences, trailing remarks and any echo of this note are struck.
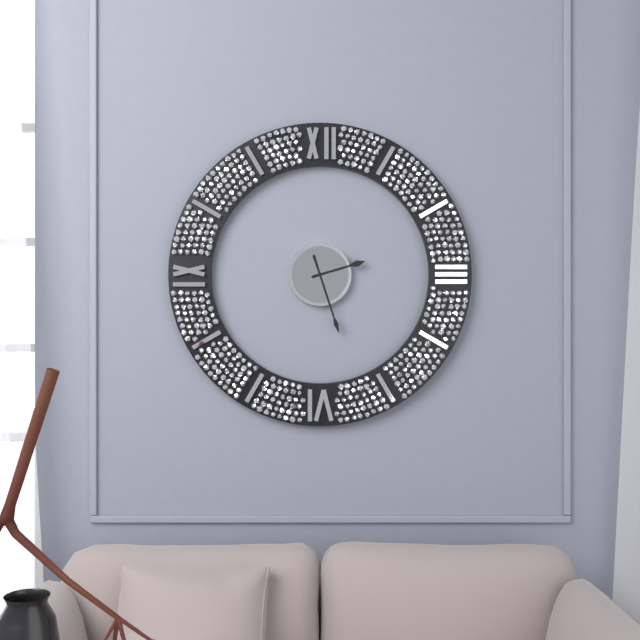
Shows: 2:27
